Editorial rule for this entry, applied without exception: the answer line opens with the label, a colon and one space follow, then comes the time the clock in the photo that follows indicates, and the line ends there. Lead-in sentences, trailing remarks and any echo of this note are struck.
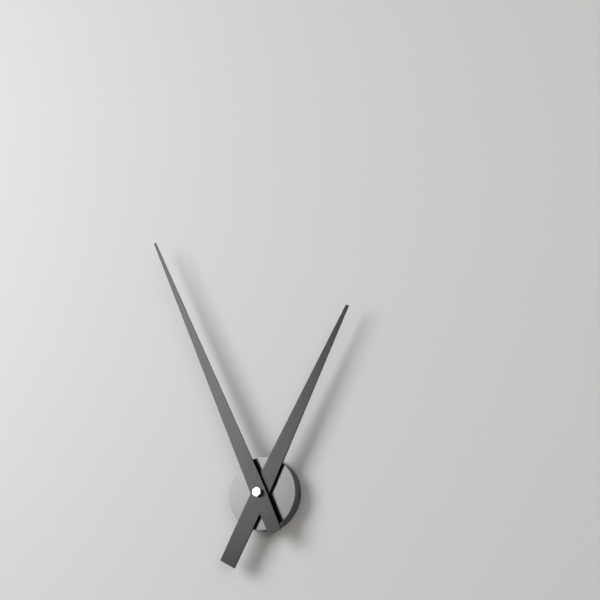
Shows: 12:56
